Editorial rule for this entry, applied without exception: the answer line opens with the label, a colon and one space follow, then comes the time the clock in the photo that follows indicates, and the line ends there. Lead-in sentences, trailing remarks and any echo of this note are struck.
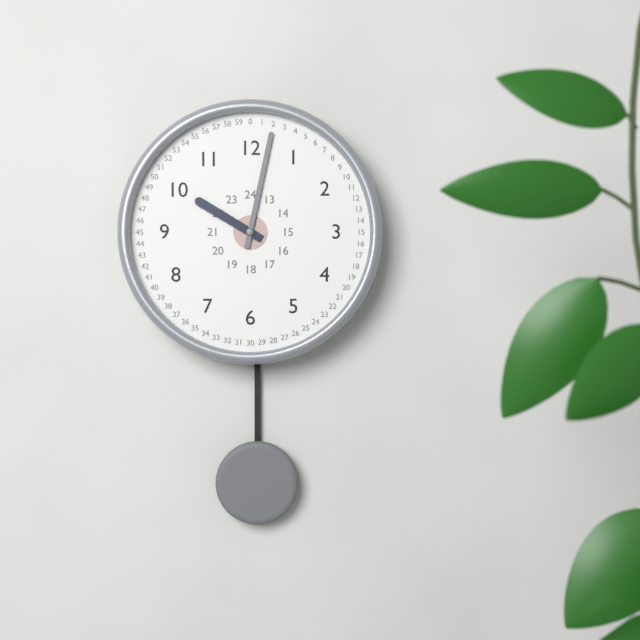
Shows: 10:02
